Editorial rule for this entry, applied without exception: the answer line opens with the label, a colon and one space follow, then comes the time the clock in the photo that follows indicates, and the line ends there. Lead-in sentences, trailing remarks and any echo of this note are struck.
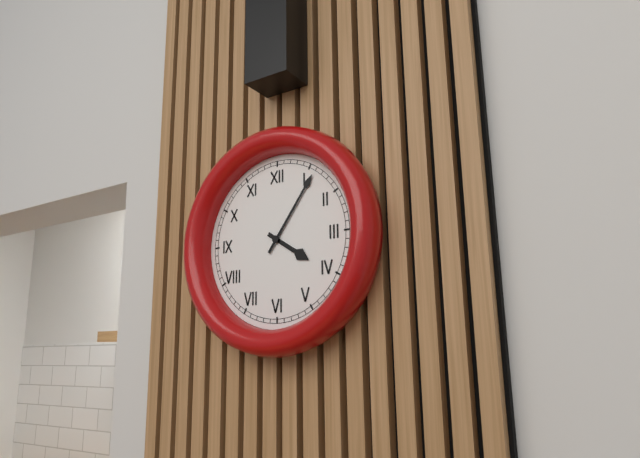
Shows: 4:06
